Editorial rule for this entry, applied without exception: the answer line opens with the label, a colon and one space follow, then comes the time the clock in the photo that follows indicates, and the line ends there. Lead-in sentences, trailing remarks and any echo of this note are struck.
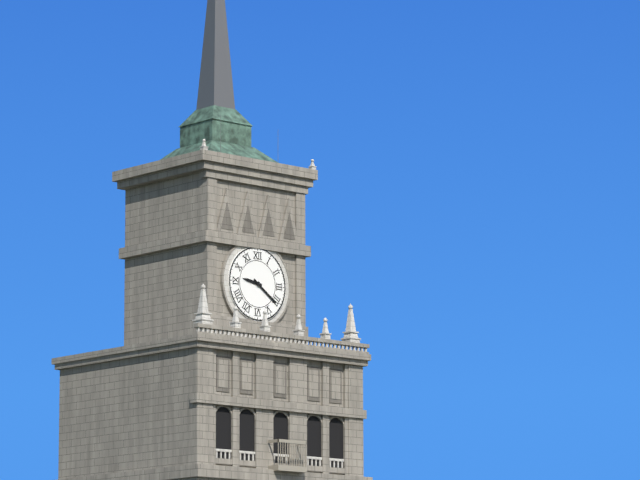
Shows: 9:21
